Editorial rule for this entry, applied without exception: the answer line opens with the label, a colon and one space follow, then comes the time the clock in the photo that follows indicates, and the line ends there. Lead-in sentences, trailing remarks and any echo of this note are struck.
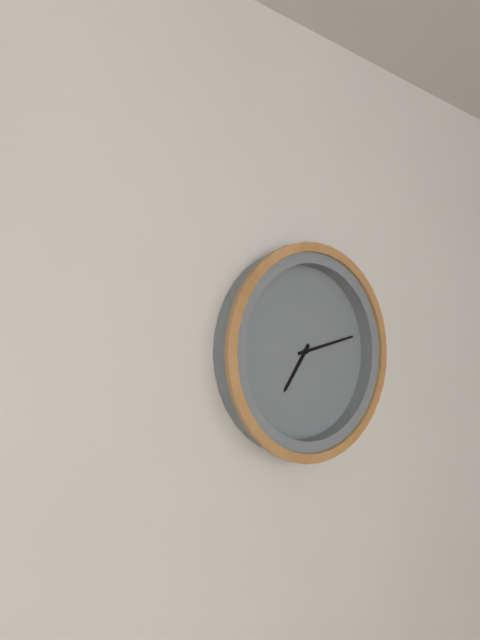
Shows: 7:13
